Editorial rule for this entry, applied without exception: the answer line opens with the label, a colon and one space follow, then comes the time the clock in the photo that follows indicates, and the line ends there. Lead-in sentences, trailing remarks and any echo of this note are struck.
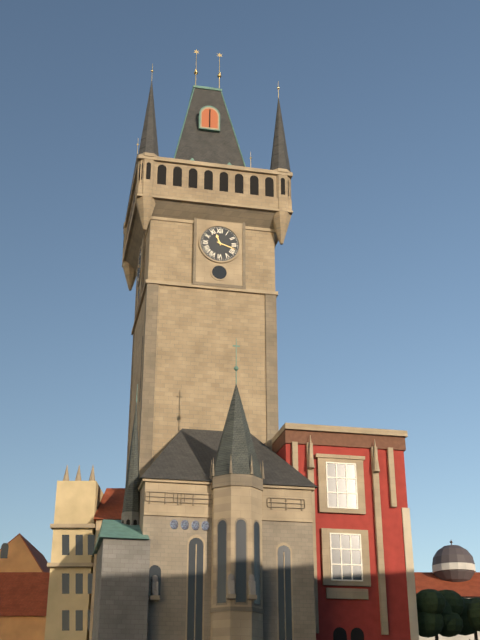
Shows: 11:18
